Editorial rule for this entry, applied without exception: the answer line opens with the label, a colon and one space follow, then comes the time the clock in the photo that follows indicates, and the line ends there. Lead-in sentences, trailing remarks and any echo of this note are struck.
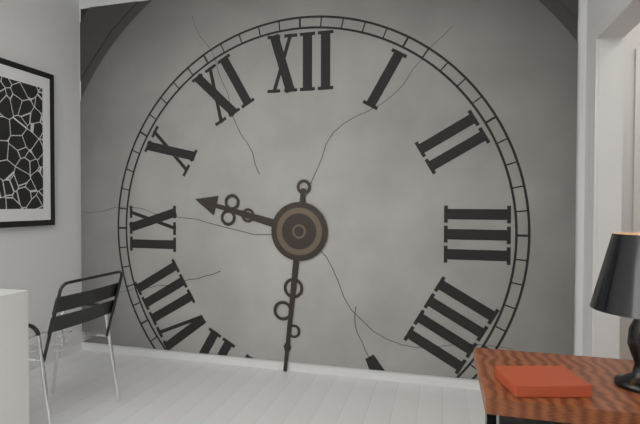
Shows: 9:31
